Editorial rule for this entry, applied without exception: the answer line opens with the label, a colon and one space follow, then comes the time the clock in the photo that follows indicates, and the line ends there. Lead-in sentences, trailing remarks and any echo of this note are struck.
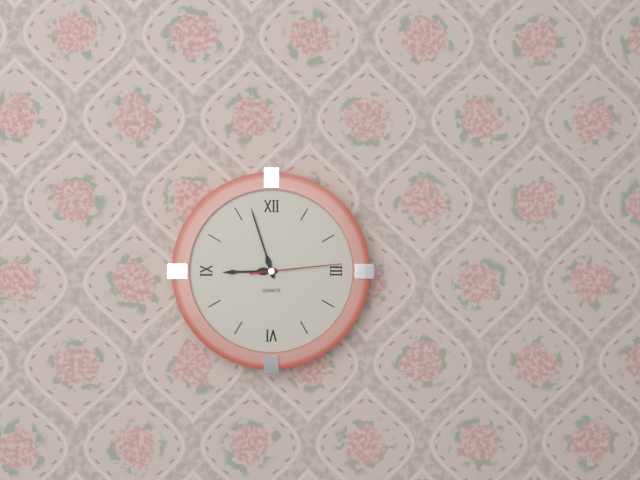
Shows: 8:57:14
